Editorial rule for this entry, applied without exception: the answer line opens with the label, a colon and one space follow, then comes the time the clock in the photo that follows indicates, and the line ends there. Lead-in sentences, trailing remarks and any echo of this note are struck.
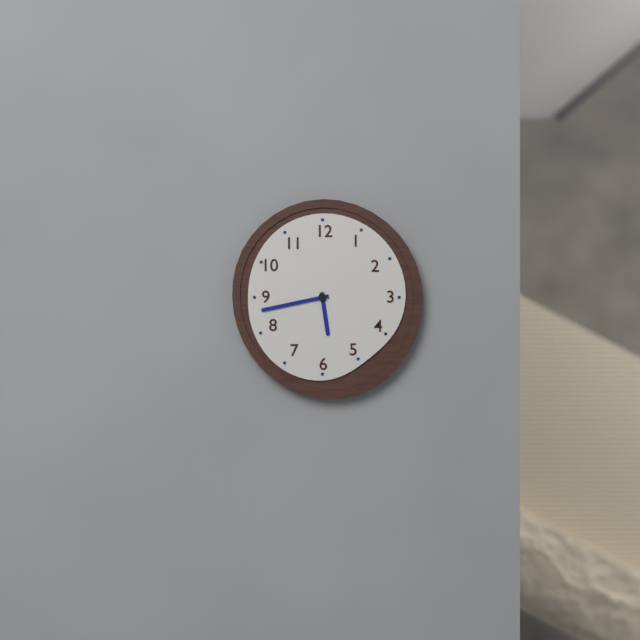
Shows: 5:43
